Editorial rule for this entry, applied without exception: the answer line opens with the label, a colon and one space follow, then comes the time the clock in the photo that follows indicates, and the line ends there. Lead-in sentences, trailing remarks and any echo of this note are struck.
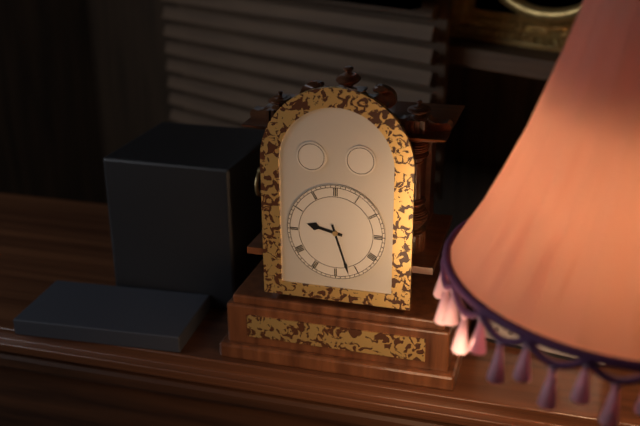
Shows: 9:27
